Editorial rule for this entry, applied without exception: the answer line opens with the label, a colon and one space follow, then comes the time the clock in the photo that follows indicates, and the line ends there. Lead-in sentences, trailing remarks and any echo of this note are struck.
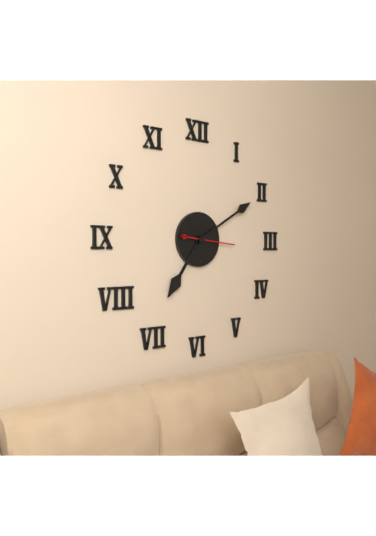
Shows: 7:10
